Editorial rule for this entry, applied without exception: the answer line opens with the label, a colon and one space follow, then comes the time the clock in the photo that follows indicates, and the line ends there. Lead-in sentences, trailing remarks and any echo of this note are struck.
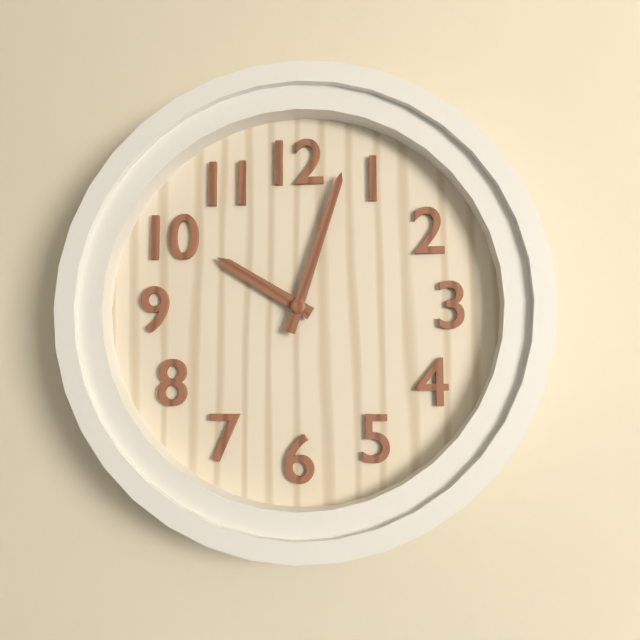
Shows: 10:03
